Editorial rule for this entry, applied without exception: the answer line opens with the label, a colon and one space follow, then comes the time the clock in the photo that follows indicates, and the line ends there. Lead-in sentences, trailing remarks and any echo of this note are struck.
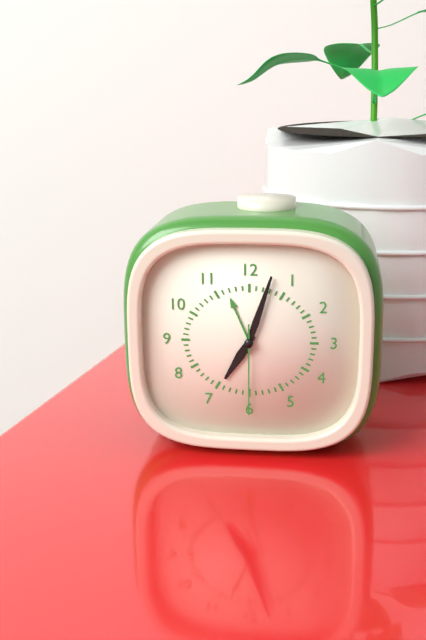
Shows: 7:03:30
